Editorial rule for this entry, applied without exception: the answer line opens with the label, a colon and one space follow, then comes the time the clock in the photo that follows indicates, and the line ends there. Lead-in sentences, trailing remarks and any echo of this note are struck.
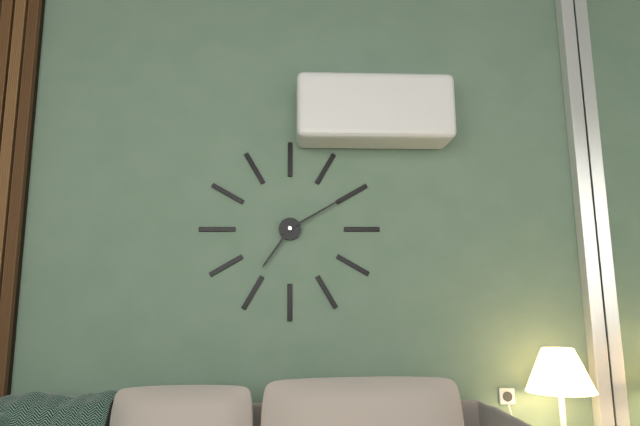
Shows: 7:10
